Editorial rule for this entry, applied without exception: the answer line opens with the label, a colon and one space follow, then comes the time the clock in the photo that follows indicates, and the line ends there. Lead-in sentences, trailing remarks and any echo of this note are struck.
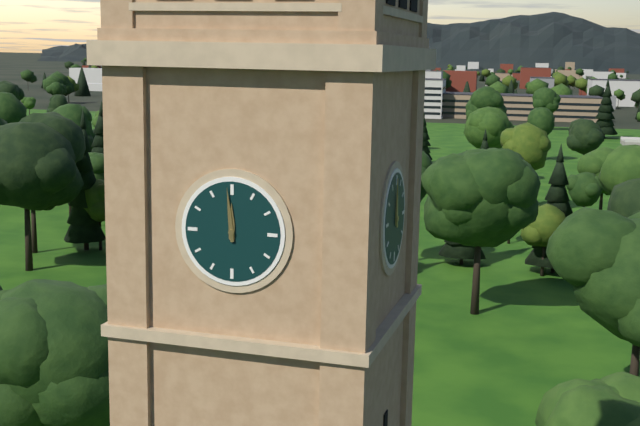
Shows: 11:59
